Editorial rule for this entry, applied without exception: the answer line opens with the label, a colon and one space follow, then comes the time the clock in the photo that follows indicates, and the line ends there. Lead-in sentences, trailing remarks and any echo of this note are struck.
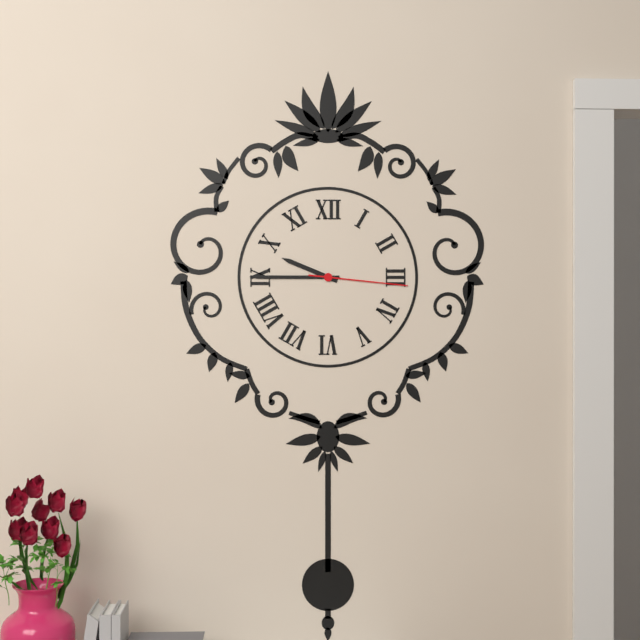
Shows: 9:45:16
